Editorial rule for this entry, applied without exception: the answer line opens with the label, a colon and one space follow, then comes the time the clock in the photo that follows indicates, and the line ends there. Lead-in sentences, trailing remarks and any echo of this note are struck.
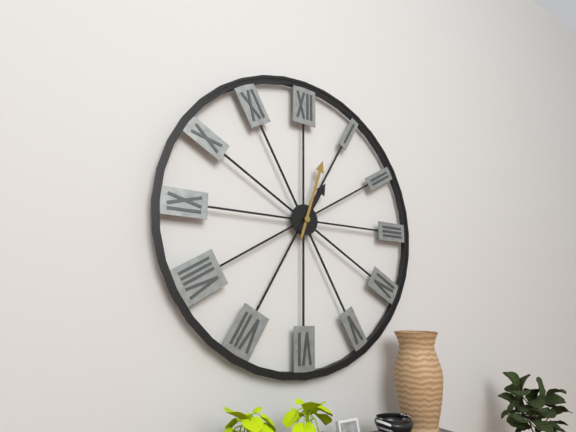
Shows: 1:03
